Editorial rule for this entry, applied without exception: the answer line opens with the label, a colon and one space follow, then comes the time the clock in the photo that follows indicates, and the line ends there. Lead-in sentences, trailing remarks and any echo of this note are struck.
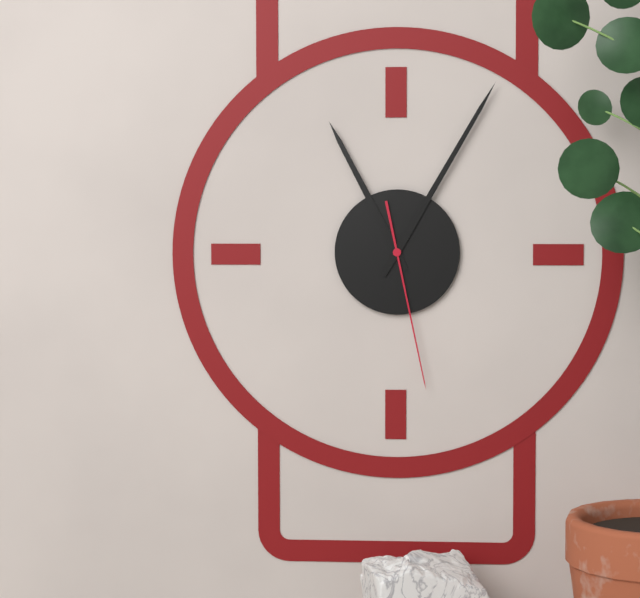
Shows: 11:05:28
